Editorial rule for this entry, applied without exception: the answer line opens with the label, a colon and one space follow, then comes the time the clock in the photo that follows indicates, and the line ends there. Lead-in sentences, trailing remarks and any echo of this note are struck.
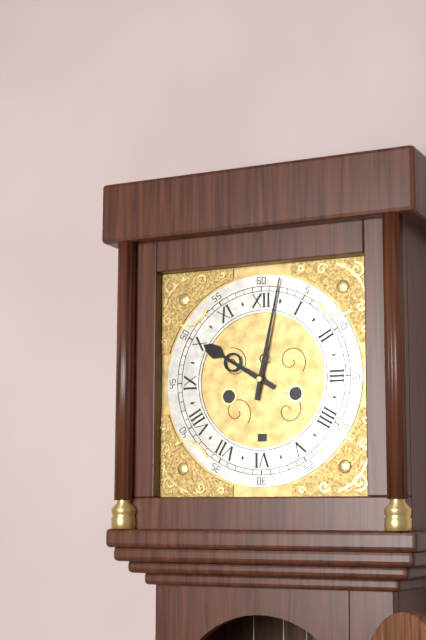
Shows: 10:02
